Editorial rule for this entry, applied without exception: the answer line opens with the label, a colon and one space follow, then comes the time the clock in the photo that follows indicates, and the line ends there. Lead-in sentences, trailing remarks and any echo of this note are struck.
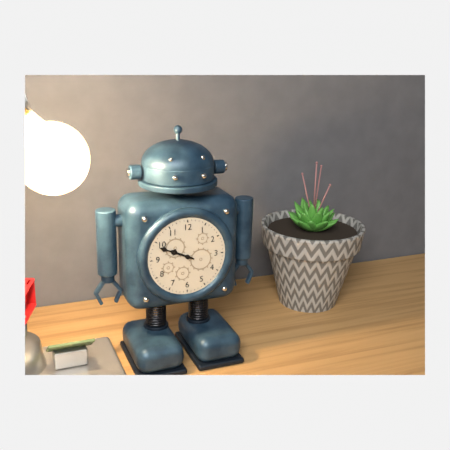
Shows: 9:49
